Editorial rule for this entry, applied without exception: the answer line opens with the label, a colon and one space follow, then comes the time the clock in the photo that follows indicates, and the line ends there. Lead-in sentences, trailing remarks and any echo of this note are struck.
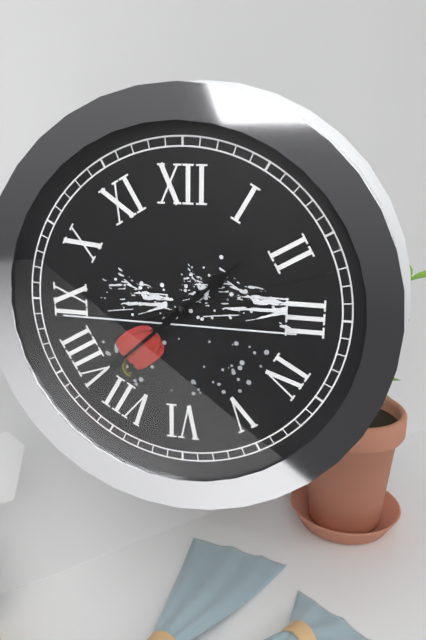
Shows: 1:38:12
